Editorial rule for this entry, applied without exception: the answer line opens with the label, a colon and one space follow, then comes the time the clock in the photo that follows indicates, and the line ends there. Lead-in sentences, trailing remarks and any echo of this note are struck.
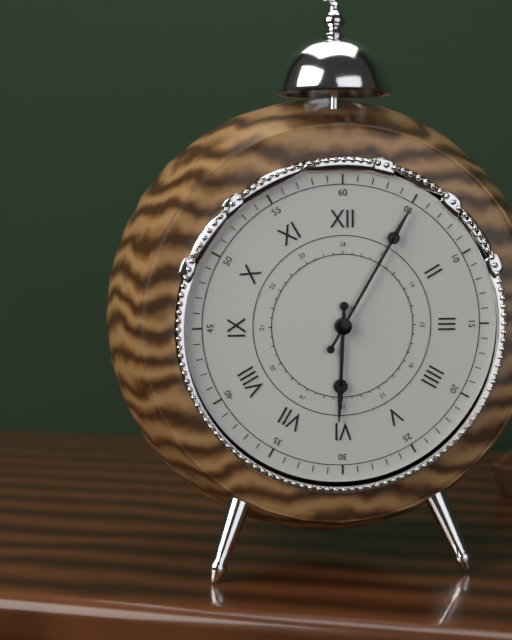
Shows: 6:05
